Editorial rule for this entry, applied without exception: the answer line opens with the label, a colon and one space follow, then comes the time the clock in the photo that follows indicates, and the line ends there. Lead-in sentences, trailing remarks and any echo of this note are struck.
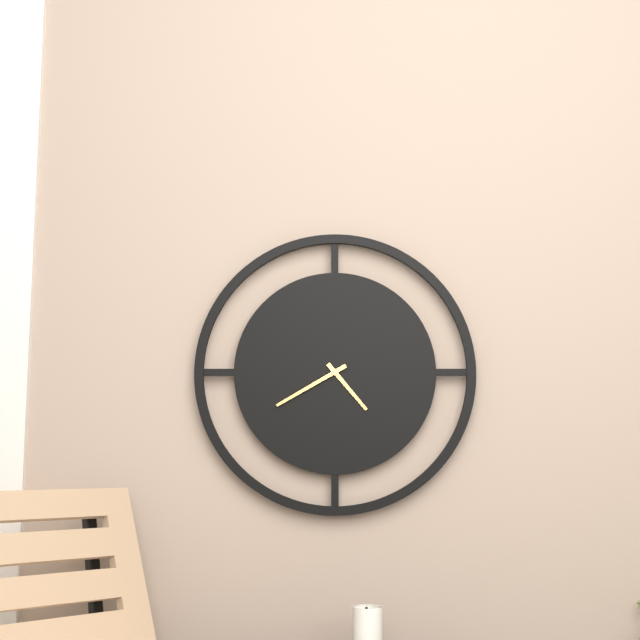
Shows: 4:40
